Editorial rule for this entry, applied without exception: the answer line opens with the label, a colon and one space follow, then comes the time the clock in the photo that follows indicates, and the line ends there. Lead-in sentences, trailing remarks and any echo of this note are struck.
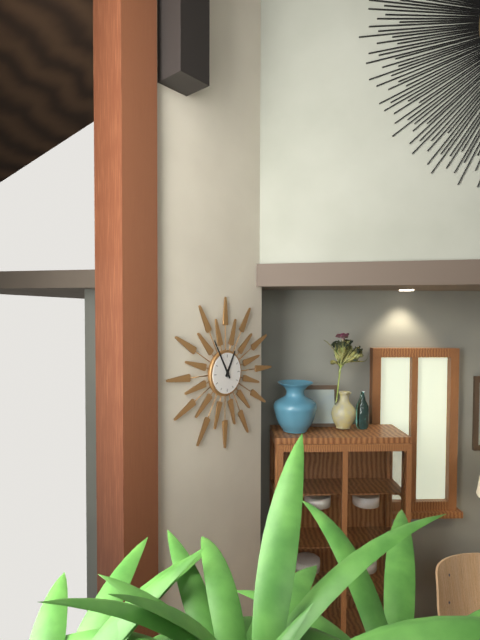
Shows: 12:55
